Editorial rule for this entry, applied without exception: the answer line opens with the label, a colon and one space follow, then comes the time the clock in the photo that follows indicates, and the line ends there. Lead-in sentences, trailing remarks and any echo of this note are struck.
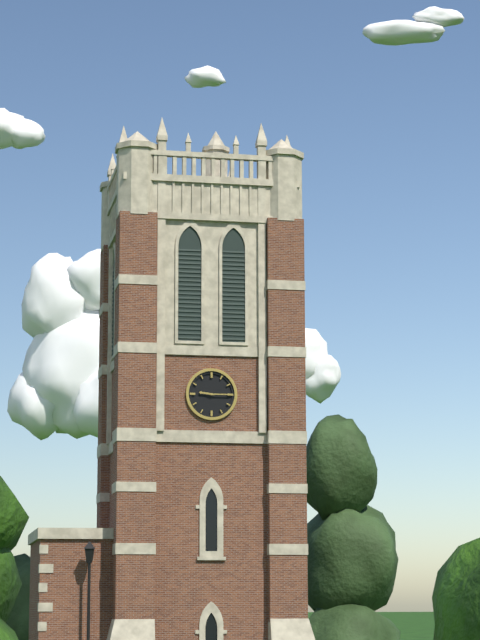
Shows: 9:15
